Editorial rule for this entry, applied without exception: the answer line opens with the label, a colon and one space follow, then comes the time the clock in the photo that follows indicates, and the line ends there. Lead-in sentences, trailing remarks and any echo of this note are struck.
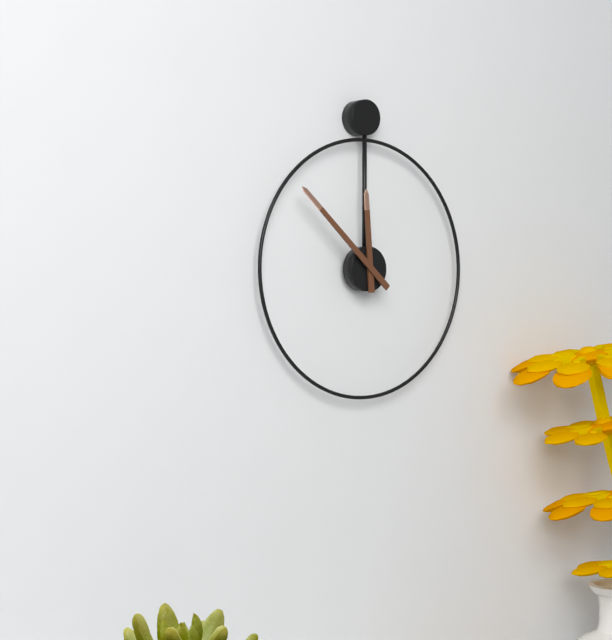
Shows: 11:52
